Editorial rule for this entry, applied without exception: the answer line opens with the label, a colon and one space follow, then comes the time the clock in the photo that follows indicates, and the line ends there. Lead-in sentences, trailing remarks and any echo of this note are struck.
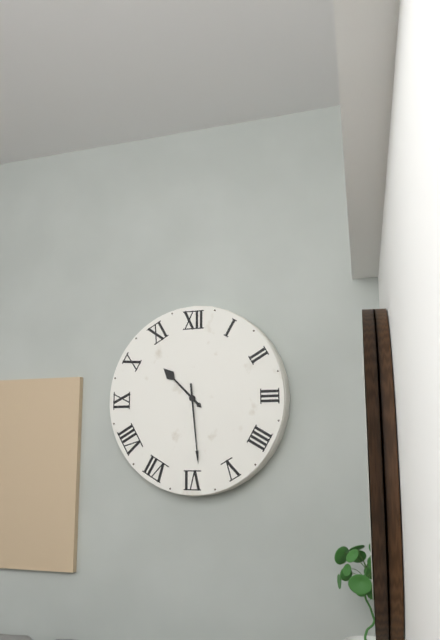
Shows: 10:29
